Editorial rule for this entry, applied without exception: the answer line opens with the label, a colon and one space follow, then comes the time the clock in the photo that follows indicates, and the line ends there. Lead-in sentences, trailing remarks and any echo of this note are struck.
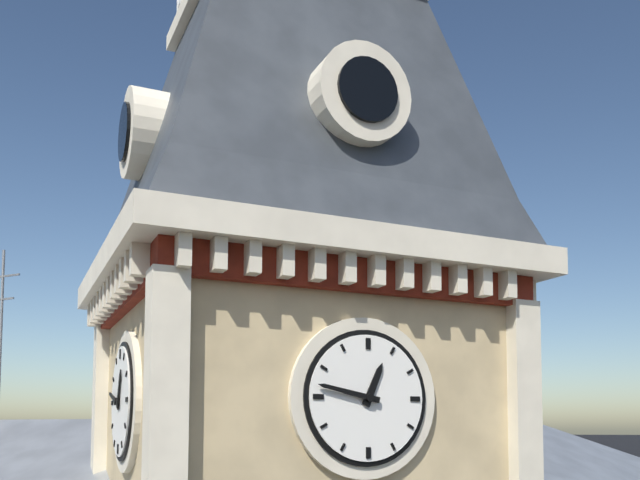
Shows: 12:47
